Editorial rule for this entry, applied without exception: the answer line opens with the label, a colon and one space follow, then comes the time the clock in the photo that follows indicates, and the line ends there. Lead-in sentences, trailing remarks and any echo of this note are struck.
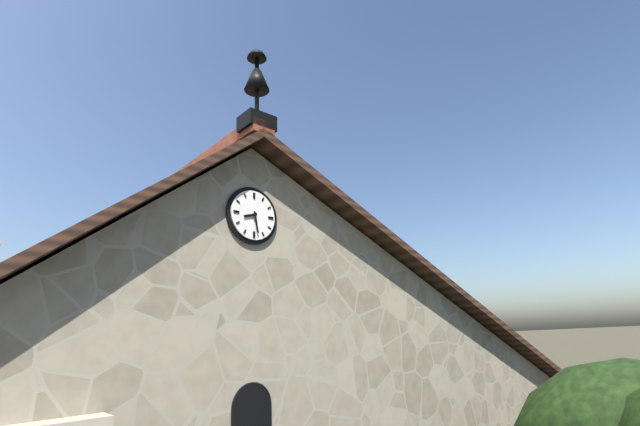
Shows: 8:28
